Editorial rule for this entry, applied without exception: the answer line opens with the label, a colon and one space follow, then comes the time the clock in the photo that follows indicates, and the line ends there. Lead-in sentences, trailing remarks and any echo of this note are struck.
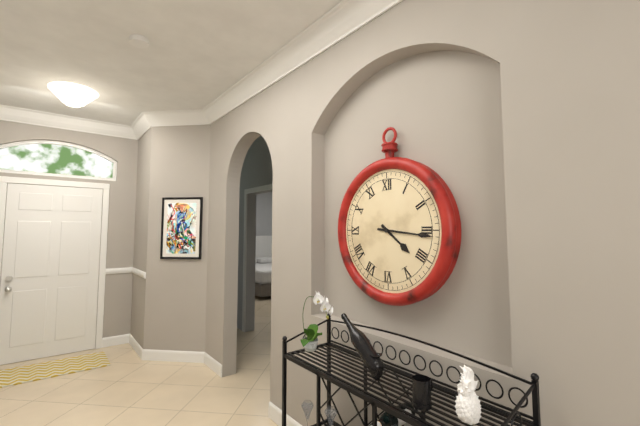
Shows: 4:16
